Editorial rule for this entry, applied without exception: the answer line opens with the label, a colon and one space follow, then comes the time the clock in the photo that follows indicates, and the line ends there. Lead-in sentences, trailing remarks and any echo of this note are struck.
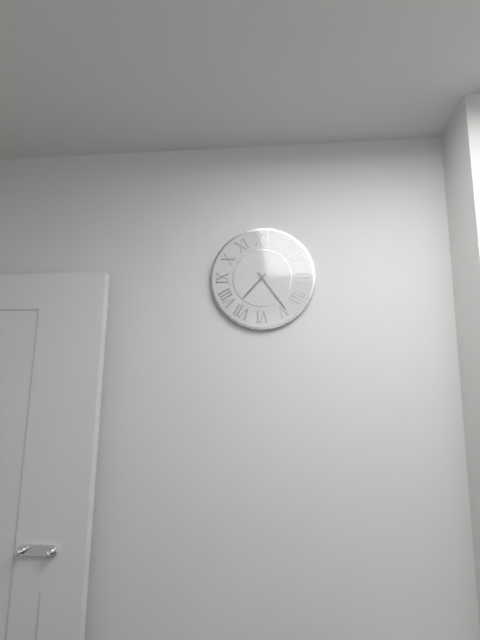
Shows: 7:24
